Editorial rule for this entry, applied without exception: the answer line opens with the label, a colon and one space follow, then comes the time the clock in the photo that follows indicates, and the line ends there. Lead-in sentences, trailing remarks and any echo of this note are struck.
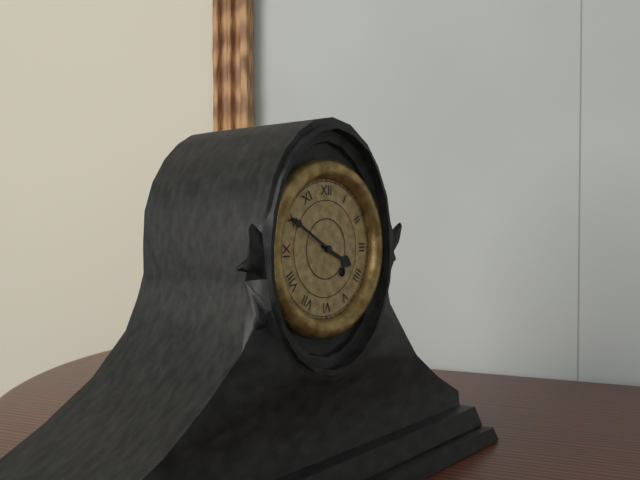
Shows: 3:50
